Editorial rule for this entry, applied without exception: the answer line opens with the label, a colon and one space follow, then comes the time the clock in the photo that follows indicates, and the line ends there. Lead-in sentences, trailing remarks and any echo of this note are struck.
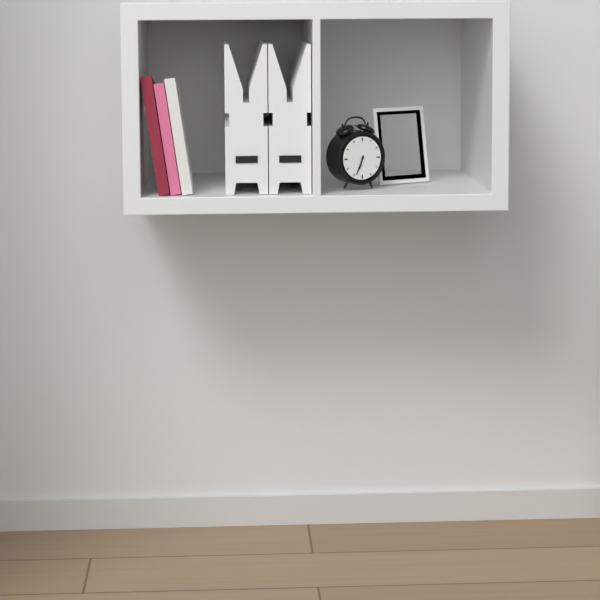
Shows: 6:34
